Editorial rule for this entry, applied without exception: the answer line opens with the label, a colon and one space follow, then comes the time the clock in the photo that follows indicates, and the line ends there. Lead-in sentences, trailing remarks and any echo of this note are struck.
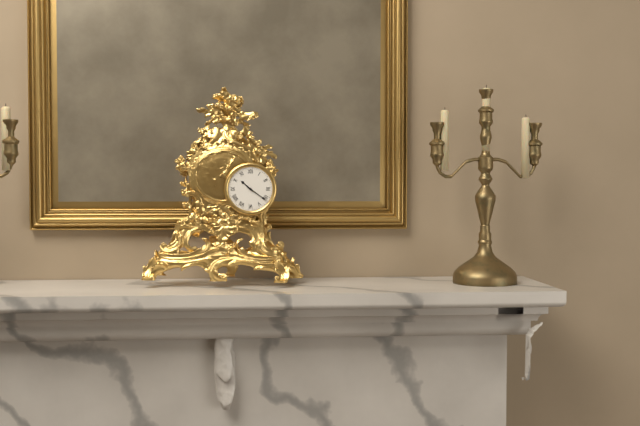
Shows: 10:21
